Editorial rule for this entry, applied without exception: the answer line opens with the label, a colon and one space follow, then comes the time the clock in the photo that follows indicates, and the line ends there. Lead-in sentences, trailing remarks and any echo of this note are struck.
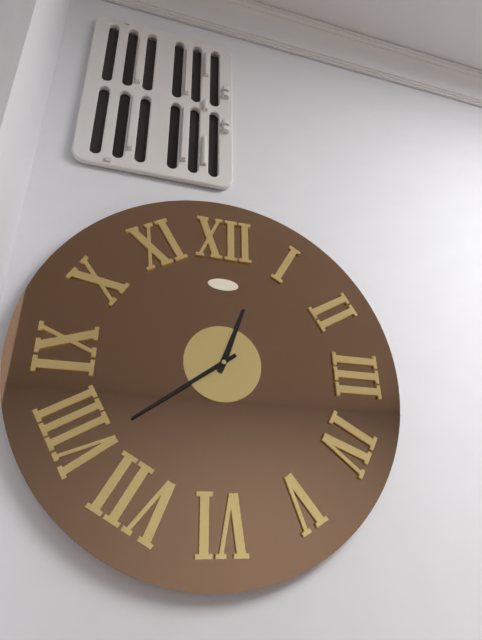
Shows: 12:39
